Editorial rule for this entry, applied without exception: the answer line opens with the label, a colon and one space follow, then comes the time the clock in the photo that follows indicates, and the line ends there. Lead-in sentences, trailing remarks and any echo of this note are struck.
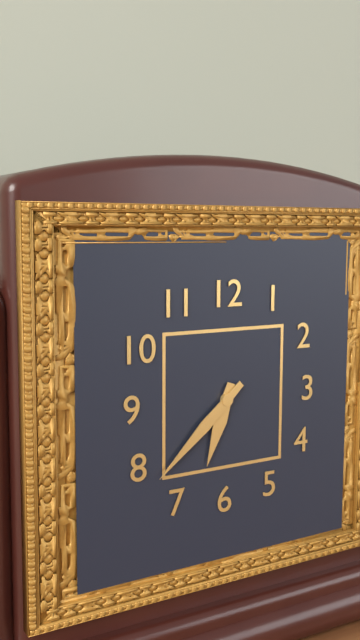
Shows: 6:38
